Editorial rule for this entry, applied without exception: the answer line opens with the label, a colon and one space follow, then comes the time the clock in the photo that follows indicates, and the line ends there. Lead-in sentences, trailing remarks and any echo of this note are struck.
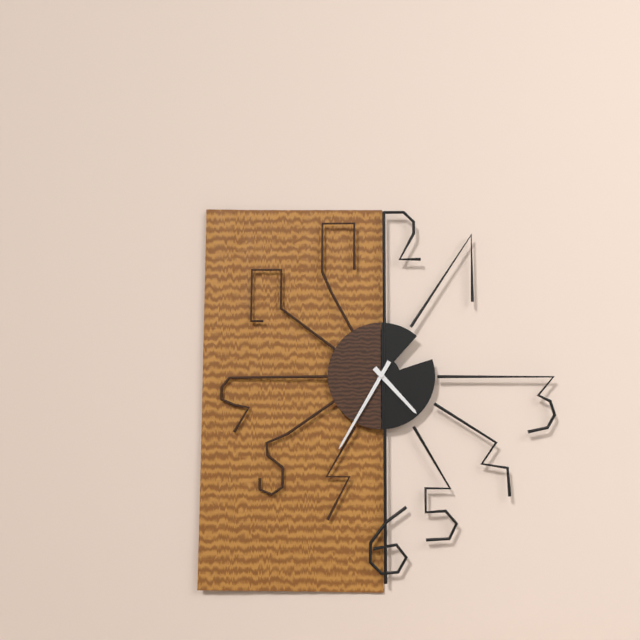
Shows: 4:35
